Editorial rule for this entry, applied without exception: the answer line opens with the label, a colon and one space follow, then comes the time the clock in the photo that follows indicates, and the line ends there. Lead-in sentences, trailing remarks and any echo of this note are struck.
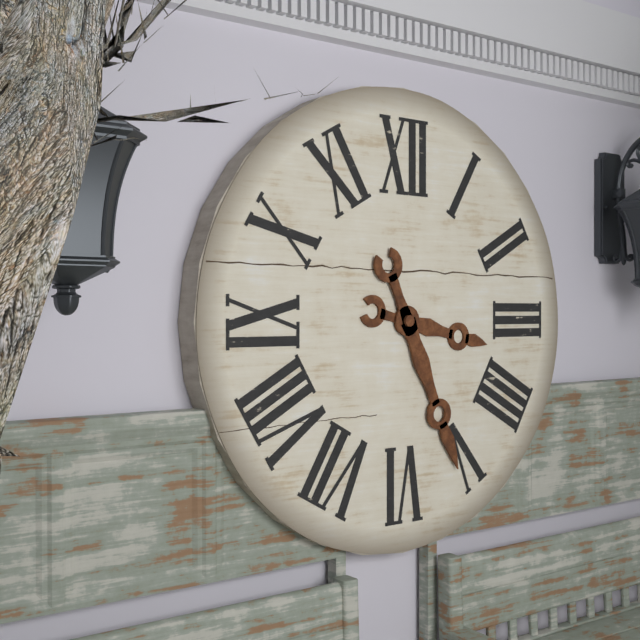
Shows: 3:26
